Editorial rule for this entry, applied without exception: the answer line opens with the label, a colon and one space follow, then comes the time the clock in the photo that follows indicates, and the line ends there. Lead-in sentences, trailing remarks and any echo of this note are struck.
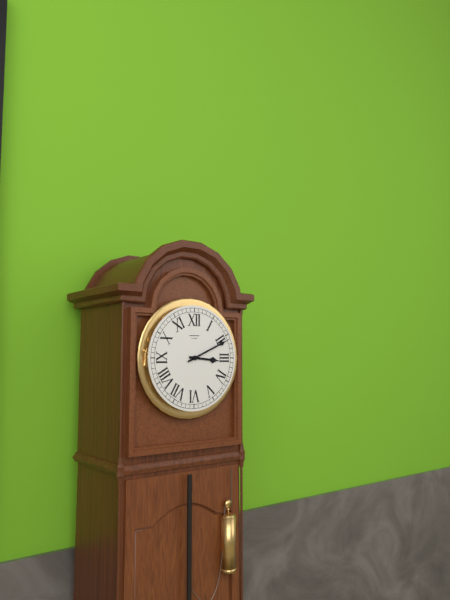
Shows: 3:11
